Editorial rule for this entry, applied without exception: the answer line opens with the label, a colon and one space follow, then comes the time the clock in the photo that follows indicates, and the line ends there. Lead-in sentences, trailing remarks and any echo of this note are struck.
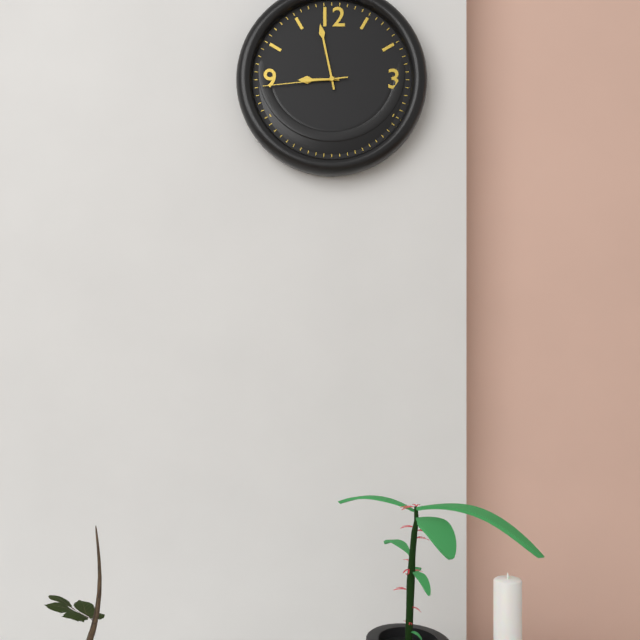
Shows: 8:58:44
